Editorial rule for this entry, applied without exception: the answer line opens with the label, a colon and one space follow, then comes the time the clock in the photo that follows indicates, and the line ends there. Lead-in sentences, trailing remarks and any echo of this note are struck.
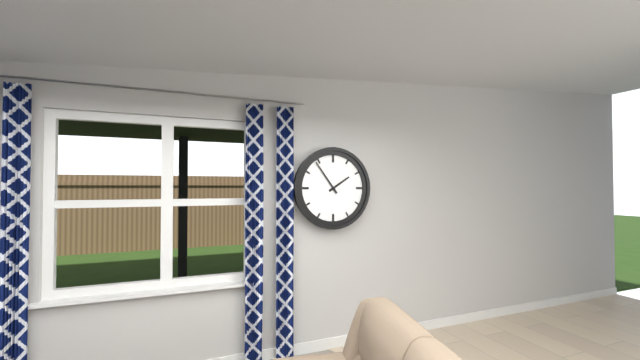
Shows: 1:54
